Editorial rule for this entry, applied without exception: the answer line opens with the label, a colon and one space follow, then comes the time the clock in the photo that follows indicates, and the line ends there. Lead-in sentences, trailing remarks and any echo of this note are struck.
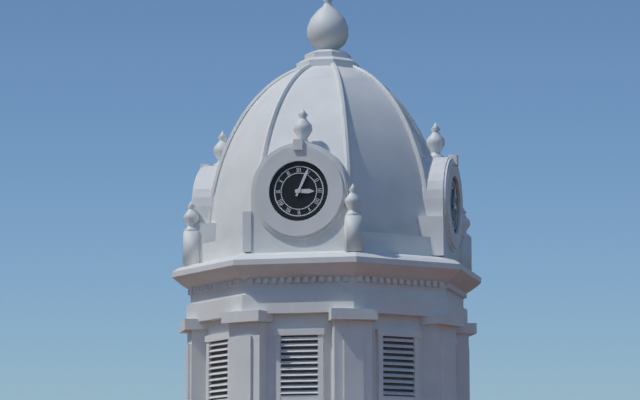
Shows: 3:04
